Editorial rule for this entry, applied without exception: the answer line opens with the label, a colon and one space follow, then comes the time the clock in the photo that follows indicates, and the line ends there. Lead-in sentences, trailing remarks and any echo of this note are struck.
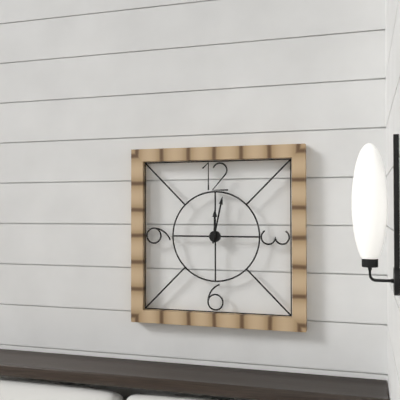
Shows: 12:02
